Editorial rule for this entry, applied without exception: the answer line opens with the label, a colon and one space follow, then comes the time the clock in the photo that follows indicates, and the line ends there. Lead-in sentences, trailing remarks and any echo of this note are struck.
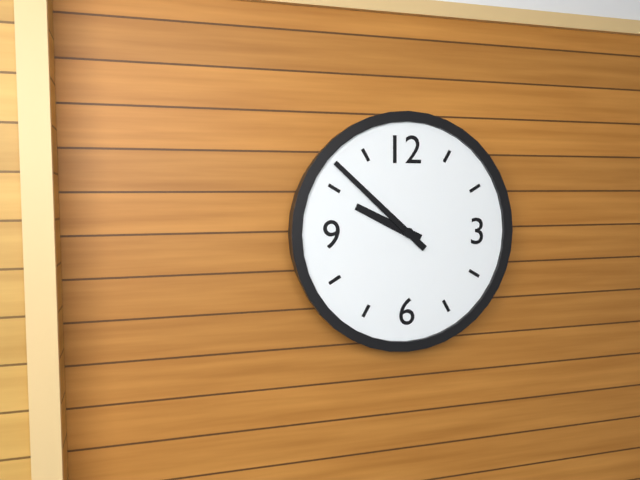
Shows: 9:52
